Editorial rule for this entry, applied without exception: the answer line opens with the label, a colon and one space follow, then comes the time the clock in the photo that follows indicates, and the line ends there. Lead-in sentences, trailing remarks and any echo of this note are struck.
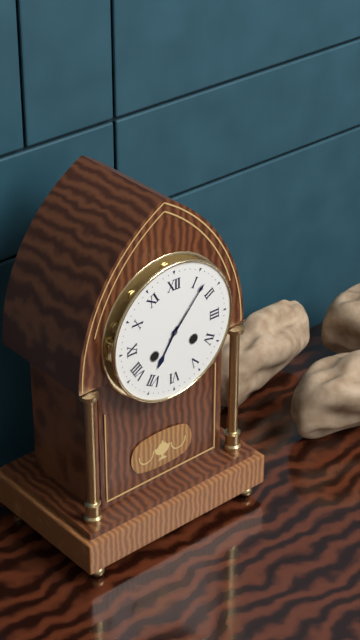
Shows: 7:07
